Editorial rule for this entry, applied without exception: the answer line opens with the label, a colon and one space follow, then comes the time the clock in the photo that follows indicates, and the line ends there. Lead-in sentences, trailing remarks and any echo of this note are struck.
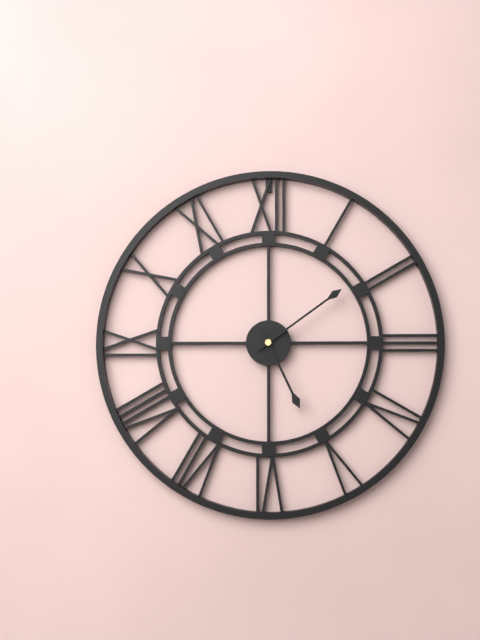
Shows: 5:09
